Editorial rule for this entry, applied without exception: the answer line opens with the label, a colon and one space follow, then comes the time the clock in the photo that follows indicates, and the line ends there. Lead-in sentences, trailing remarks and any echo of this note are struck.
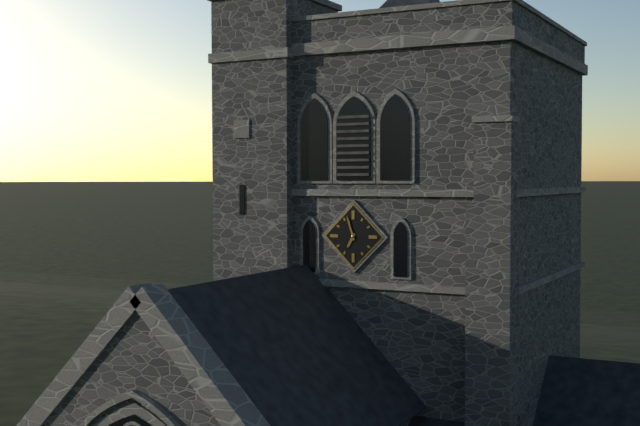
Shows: 6:57
